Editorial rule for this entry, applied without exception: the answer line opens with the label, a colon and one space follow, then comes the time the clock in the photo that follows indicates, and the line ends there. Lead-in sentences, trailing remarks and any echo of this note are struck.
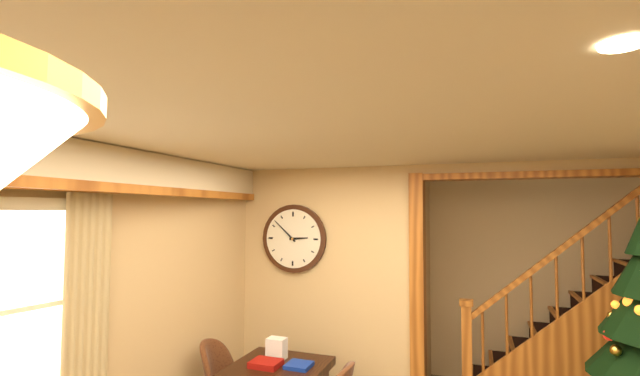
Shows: 2:52
